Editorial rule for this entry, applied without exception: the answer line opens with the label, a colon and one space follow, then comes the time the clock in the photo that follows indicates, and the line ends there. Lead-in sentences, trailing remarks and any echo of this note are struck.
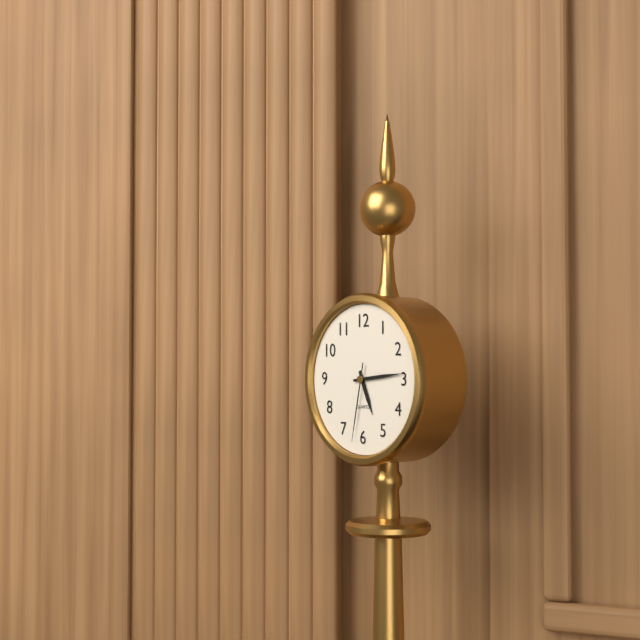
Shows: 5:14:32
